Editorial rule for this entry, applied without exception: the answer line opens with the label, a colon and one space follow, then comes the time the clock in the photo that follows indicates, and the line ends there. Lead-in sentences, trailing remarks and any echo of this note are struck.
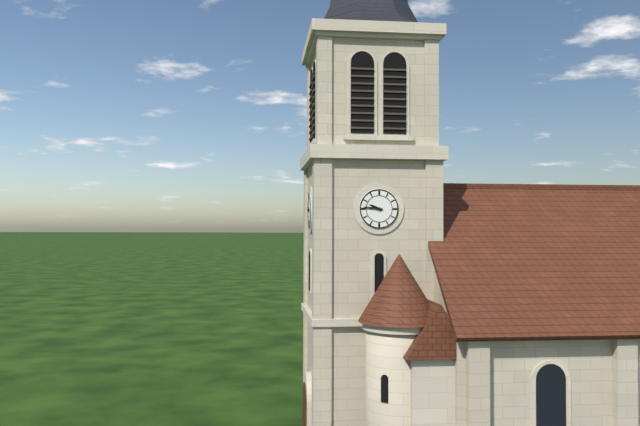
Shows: 9:46
